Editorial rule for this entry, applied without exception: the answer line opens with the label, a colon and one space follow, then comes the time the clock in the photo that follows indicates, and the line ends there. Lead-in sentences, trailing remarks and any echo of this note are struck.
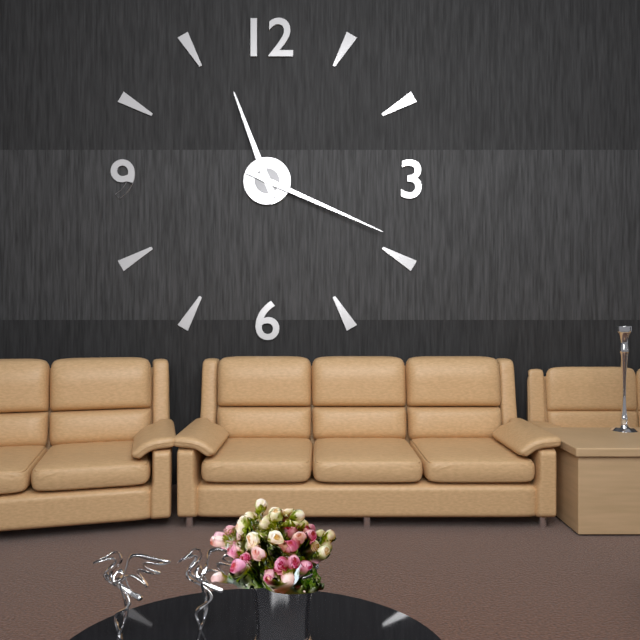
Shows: 11:19
